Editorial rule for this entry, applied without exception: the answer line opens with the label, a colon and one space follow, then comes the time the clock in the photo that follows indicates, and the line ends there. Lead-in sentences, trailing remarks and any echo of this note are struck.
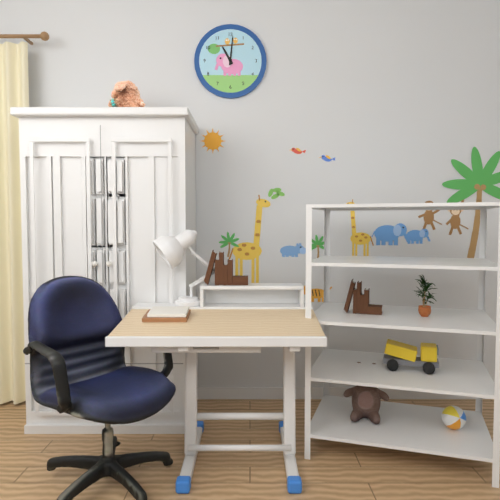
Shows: 11:01
